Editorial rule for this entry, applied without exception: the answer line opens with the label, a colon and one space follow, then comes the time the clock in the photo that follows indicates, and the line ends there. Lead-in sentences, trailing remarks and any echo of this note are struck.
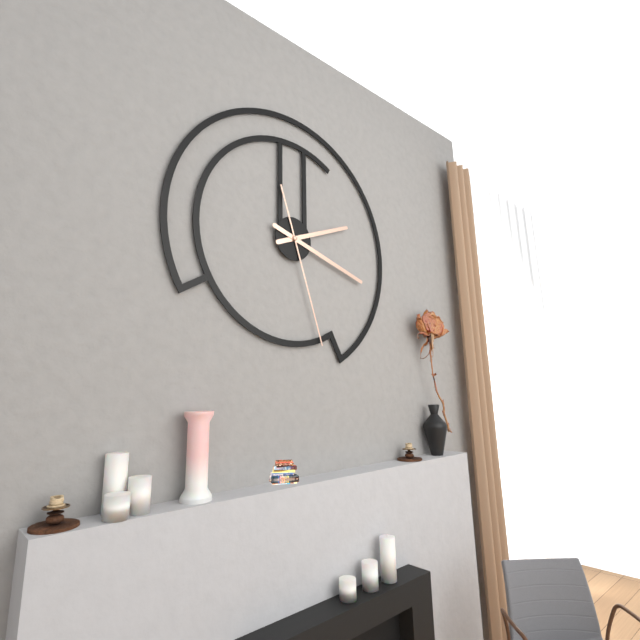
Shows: 2:18:27
